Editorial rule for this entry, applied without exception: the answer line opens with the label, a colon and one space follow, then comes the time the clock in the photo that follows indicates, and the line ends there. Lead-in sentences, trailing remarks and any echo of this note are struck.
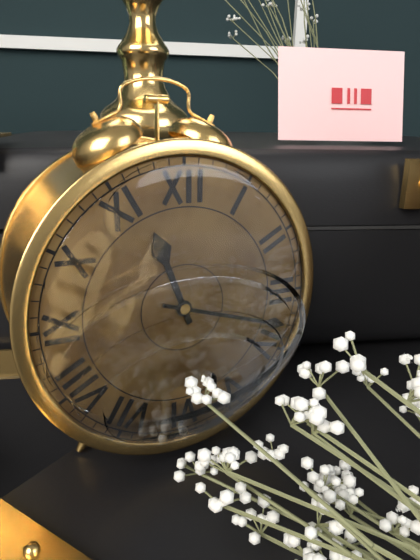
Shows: 11:18
